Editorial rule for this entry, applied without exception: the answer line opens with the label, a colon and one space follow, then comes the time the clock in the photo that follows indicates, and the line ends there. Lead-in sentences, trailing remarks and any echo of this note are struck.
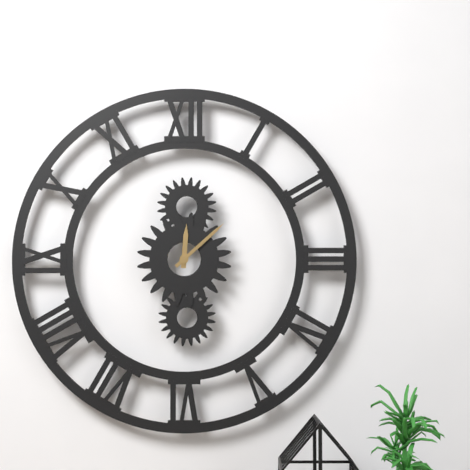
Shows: 12:08
